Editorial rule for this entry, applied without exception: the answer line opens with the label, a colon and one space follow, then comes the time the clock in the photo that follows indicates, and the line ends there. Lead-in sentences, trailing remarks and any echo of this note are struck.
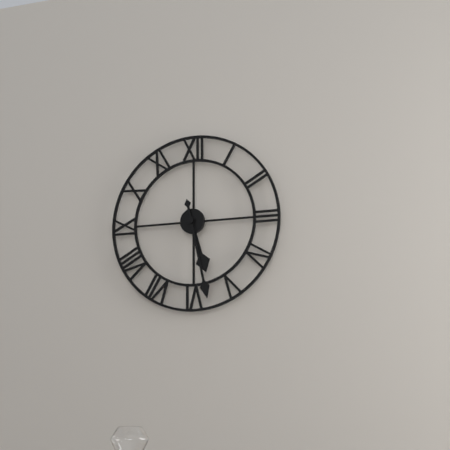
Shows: 5:28
